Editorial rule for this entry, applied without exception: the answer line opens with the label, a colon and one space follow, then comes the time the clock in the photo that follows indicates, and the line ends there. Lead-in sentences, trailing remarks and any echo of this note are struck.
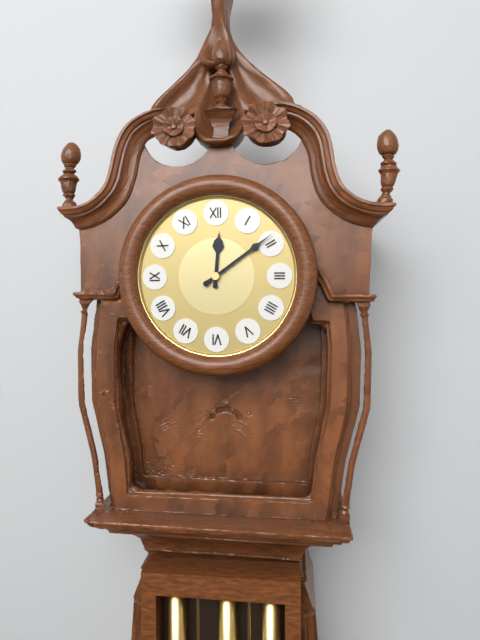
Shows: 12:09
